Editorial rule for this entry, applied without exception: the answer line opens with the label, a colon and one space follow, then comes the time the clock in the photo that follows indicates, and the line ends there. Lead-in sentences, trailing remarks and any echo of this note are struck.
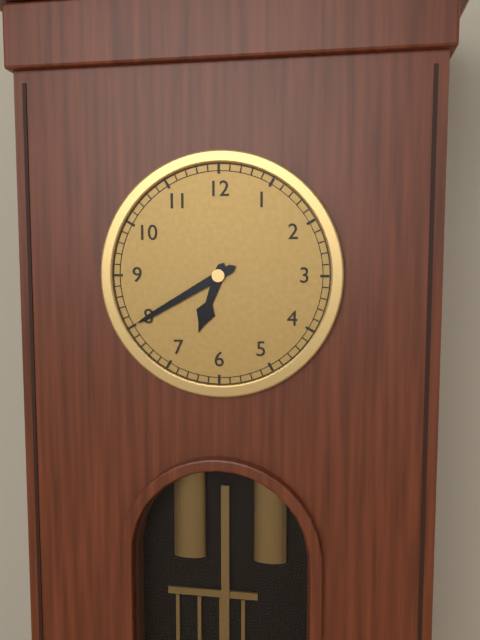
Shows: 6:40
